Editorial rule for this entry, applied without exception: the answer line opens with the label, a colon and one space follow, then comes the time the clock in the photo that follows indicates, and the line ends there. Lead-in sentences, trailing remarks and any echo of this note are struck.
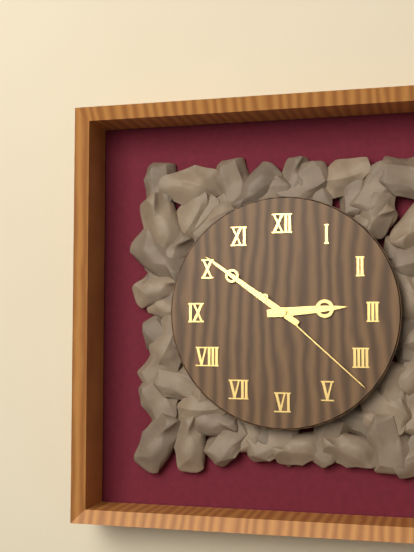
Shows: 2:51:22
